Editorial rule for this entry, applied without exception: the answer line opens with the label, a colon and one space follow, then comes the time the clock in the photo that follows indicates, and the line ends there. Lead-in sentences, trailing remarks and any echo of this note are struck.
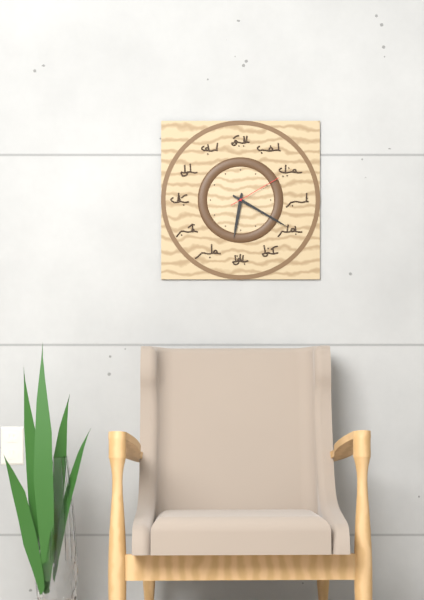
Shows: 6:20:10
